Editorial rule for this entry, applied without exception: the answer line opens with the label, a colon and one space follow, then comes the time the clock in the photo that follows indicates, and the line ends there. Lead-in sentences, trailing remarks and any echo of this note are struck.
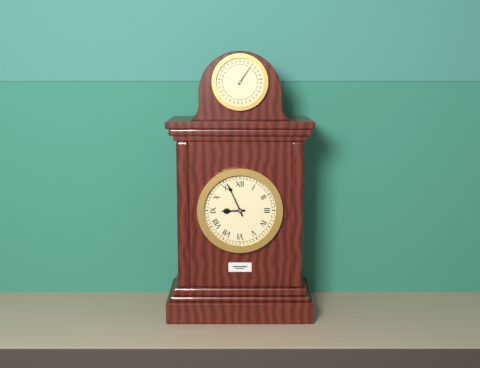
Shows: 8:56
